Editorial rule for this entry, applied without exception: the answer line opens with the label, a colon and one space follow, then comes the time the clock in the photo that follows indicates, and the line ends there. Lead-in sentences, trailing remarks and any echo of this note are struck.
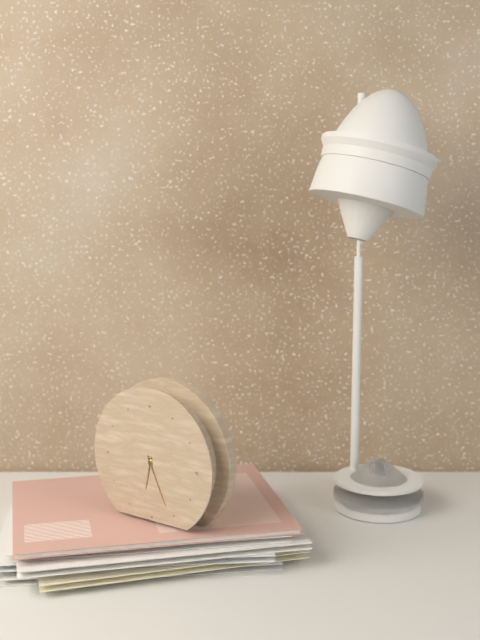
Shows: 6:26
